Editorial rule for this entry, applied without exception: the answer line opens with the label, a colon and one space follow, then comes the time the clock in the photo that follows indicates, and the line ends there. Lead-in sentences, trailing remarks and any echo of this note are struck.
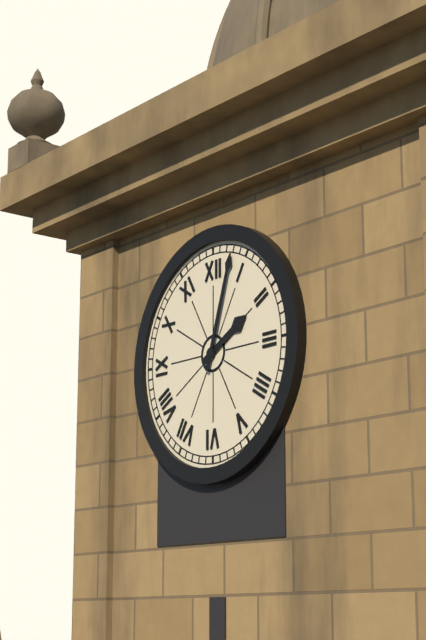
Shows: 2:03
